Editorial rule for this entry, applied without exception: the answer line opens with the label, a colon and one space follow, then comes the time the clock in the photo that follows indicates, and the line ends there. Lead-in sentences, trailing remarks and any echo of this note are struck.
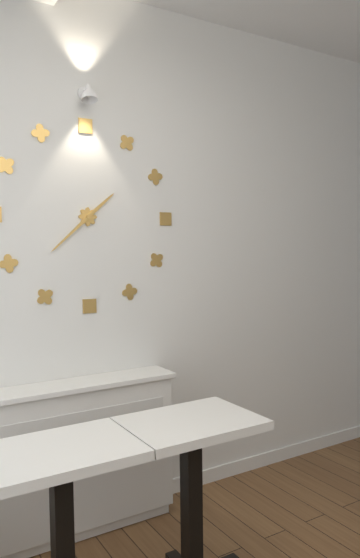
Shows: 1:38
